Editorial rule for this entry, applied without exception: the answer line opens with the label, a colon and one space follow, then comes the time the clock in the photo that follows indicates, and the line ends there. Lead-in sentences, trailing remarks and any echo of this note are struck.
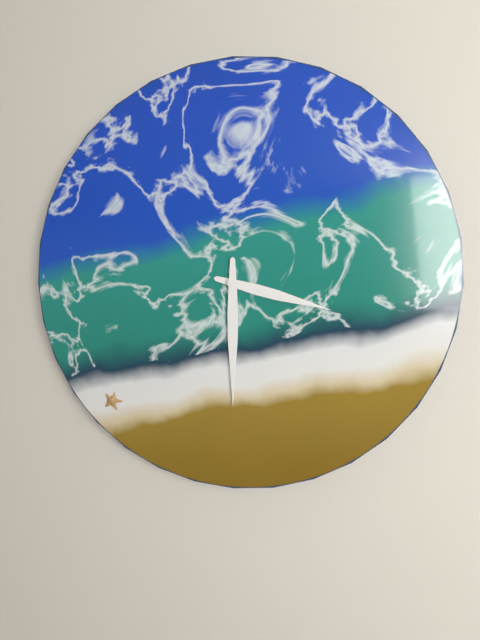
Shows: 3:30
